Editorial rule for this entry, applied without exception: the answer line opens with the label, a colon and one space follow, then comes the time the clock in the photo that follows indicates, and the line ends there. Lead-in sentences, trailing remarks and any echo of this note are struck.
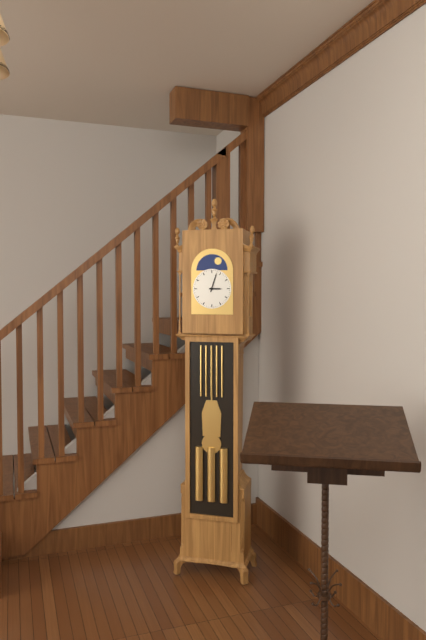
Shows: 3:03
